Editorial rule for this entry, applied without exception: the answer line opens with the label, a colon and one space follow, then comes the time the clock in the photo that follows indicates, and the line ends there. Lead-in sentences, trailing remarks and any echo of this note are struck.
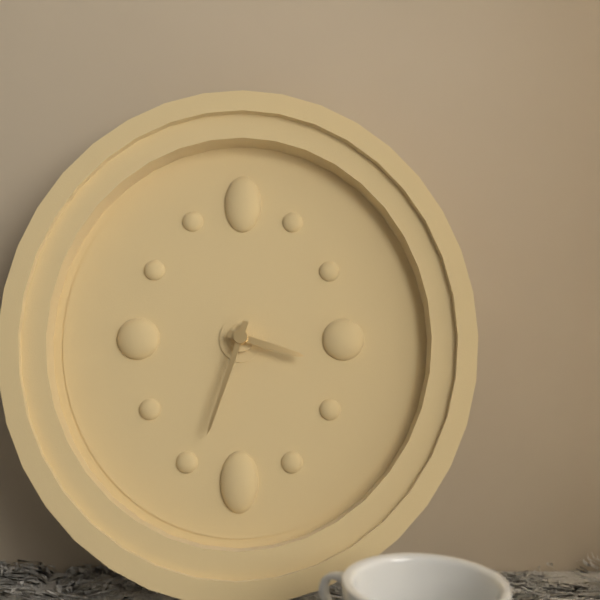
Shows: 3:33
